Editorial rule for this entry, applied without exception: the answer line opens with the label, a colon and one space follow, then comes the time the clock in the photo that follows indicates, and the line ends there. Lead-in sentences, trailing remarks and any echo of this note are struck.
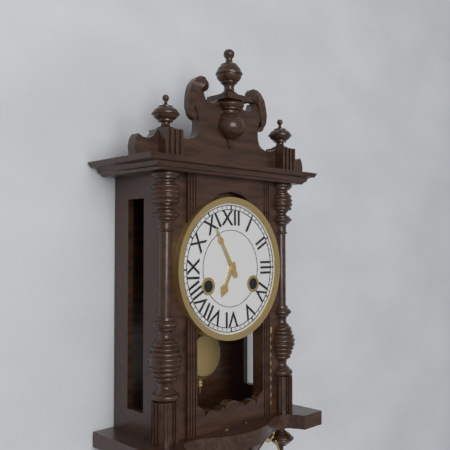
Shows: 6:55
